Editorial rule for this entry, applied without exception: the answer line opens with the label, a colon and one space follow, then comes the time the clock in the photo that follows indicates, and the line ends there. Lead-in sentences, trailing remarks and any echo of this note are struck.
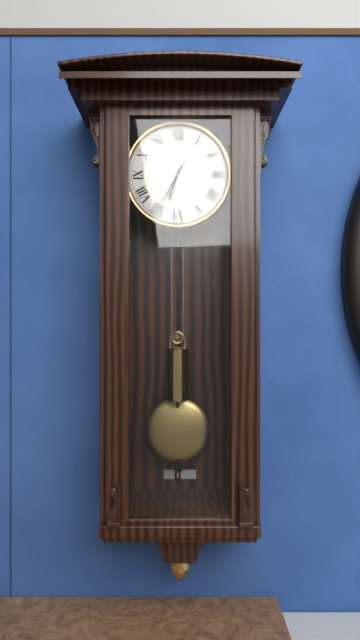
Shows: 6:35
